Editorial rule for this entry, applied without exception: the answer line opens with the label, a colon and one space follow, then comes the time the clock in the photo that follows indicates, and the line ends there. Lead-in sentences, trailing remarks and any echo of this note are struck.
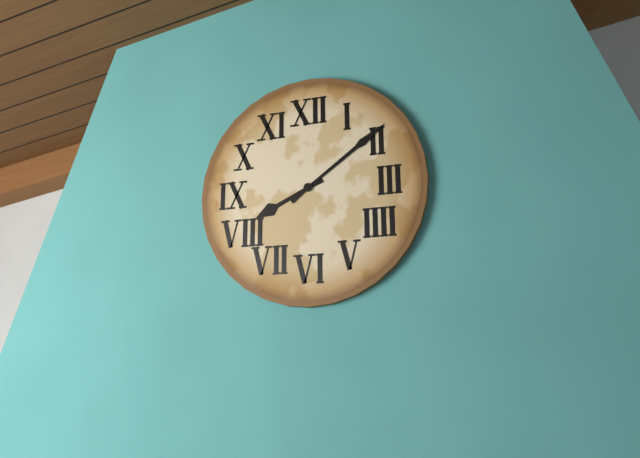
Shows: 8:09
